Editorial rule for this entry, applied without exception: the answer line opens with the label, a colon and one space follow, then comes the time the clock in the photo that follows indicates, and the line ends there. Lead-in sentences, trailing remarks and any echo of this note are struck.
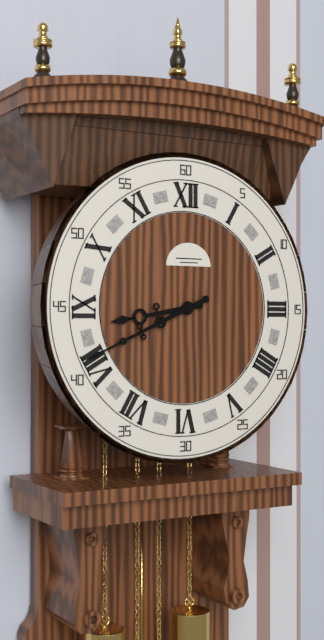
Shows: 8:41
